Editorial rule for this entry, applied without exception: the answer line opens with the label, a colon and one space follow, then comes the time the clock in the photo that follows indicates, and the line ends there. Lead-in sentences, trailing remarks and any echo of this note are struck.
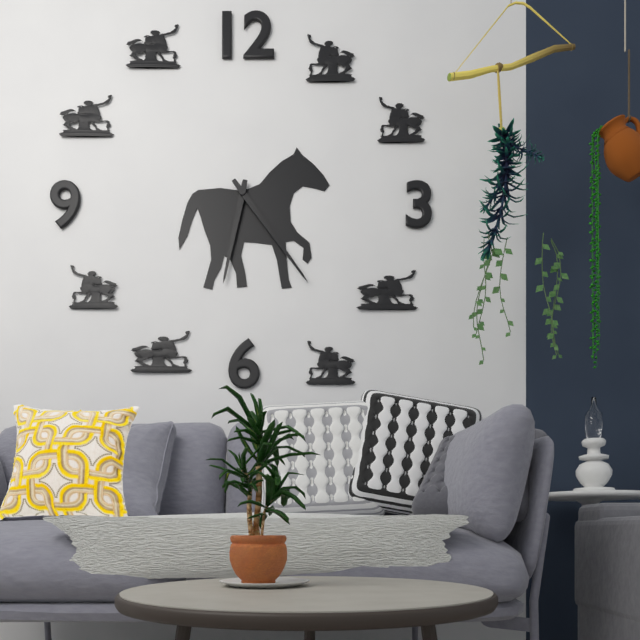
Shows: 6:24
